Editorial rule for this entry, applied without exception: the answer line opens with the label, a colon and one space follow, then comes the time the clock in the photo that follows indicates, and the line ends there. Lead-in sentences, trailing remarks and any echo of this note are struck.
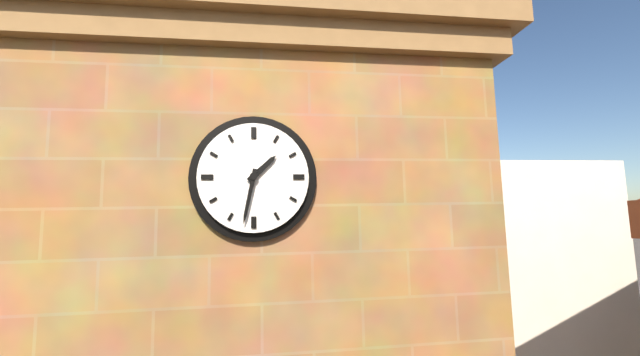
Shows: 1:32
